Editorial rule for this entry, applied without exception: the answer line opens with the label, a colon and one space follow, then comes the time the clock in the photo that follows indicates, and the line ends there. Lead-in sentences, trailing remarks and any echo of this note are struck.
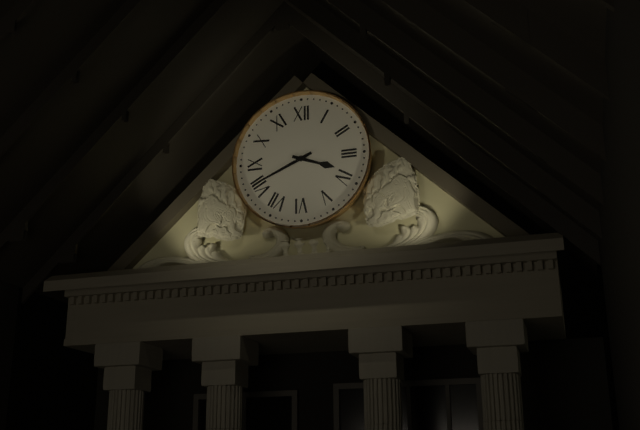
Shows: 3:41
